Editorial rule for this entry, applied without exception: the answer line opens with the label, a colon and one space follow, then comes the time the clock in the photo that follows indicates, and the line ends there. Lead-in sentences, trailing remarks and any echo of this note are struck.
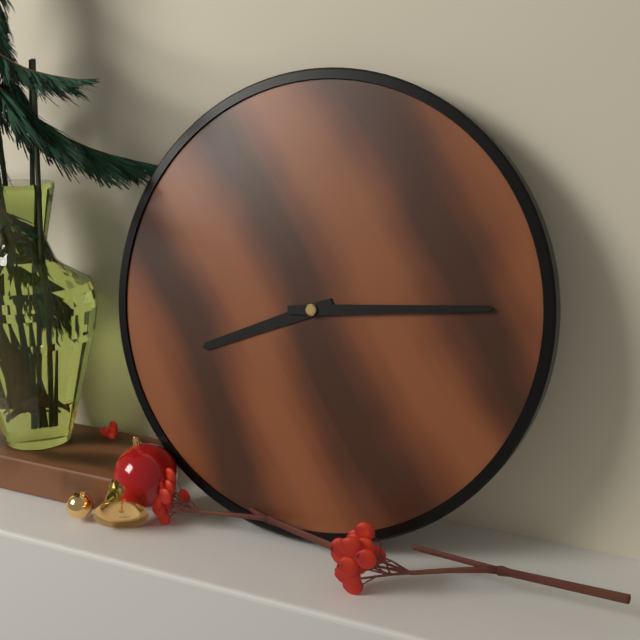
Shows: 8:14
